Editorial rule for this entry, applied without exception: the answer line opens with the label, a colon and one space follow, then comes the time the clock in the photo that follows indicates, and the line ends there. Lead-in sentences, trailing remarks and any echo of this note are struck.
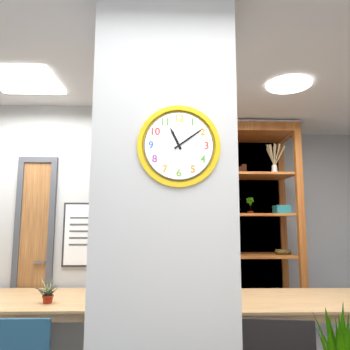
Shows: 11:09
